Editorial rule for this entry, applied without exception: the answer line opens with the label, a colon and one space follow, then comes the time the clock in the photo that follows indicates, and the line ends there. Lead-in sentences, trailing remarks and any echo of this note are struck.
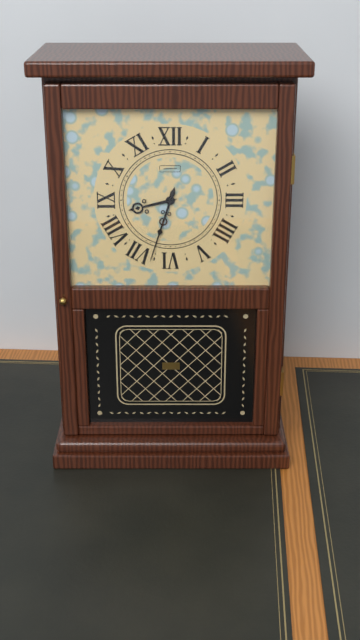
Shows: 8:33
